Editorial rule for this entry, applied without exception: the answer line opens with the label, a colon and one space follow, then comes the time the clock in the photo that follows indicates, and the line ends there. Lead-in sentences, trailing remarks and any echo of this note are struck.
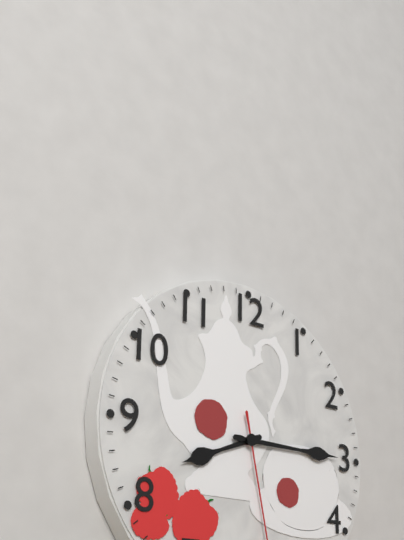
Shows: 8:15
